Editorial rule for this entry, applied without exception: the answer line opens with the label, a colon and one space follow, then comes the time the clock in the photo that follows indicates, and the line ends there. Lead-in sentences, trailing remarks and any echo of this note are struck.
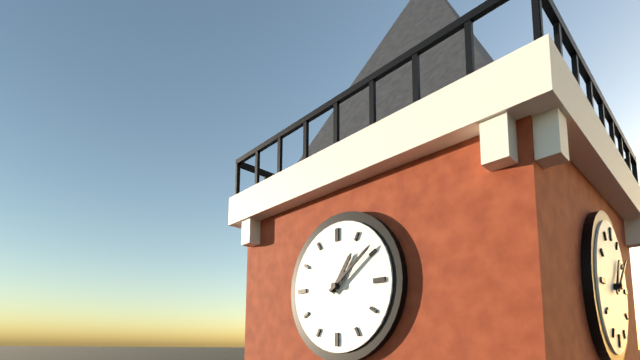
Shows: 1:09
